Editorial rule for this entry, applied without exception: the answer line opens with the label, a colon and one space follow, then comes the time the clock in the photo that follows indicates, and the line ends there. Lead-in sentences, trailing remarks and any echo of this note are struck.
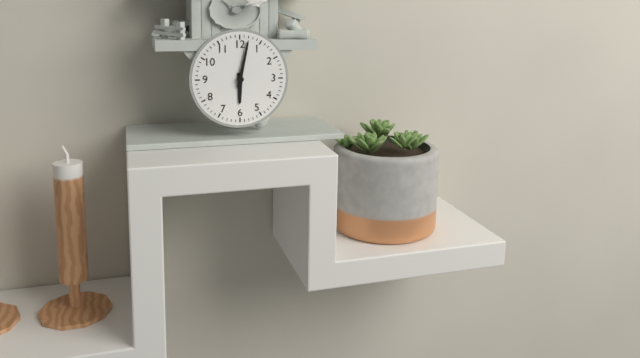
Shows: 6:02
